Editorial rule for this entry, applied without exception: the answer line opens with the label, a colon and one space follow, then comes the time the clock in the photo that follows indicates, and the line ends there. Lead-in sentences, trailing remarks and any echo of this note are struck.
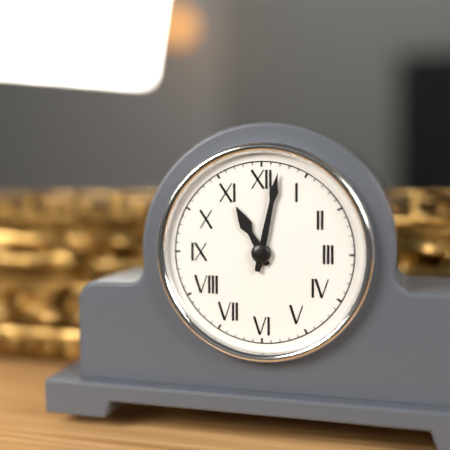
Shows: 11:02
